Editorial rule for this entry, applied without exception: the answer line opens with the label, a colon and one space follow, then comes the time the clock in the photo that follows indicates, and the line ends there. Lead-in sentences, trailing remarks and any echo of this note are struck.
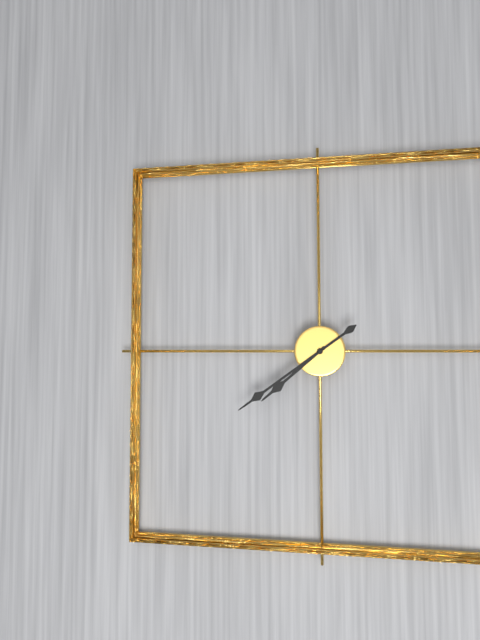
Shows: 7:39
